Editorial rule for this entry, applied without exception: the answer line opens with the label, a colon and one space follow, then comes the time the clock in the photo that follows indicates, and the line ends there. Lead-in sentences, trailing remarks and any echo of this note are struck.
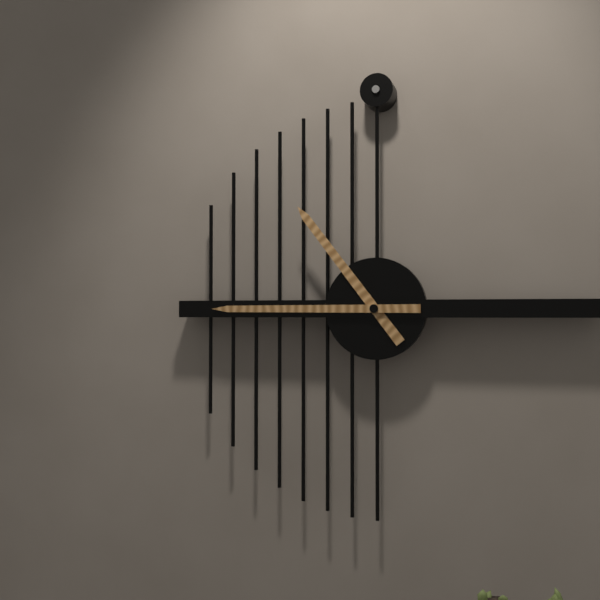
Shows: 10:45
